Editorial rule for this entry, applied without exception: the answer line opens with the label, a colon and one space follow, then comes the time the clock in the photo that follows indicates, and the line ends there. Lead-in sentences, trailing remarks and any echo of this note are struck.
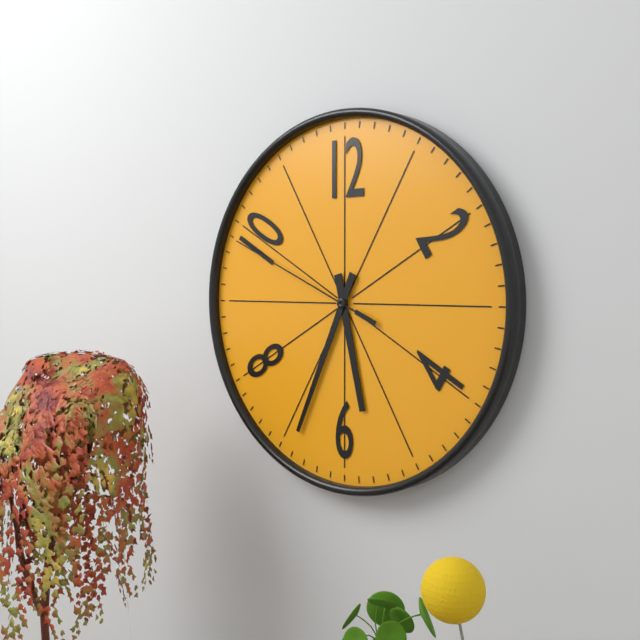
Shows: 5:34:49
